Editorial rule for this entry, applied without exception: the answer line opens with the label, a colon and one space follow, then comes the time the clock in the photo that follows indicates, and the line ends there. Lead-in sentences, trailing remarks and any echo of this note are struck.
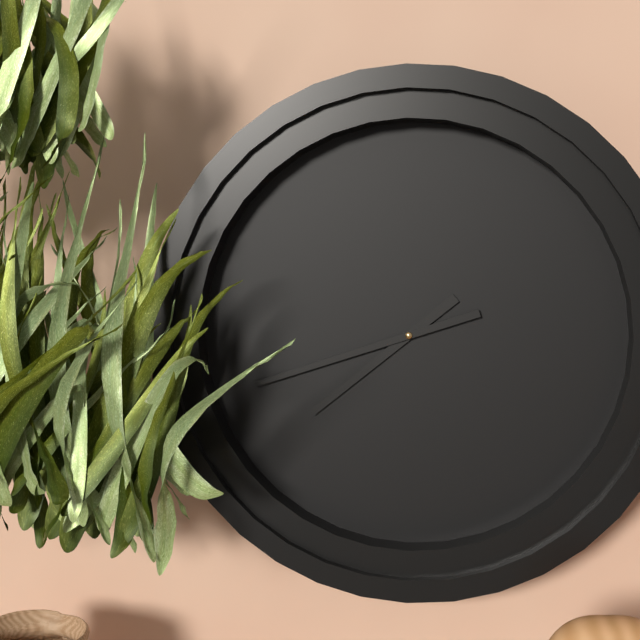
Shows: 7:42
